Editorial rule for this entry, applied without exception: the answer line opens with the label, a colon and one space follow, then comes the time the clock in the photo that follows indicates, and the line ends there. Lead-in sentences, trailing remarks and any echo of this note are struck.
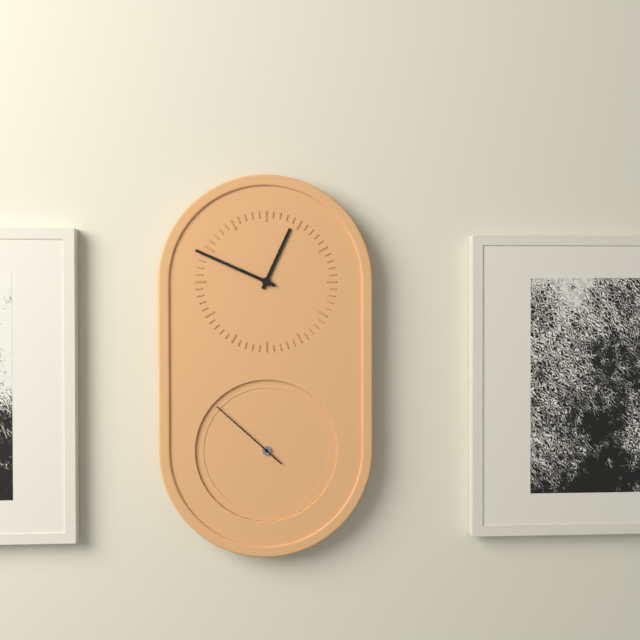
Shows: 12:49:52
